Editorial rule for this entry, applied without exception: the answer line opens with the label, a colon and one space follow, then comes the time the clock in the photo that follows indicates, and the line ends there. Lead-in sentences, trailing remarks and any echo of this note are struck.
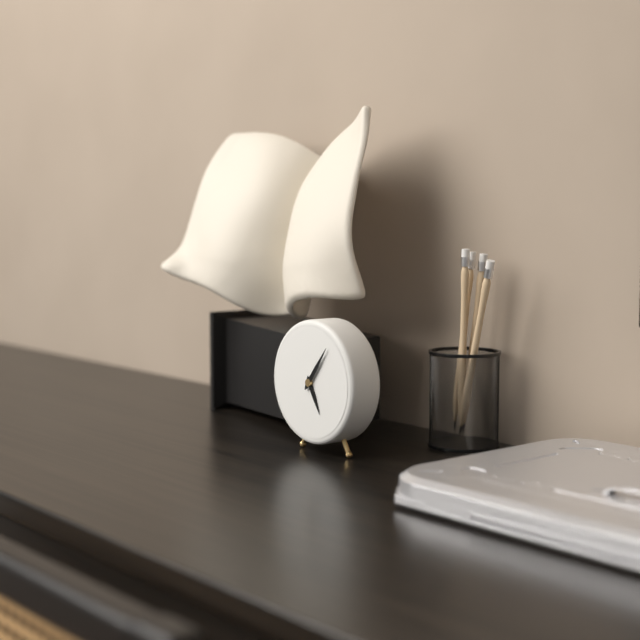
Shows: 5:06
